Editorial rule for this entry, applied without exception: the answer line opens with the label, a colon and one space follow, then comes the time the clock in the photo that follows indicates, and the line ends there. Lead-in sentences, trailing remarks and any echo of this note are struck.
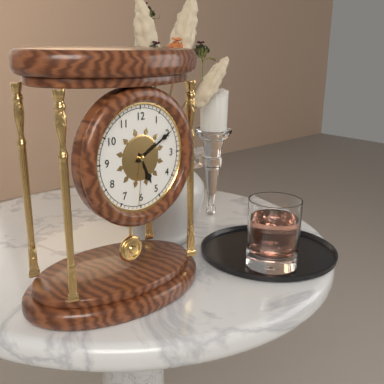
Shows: 5:10:31
